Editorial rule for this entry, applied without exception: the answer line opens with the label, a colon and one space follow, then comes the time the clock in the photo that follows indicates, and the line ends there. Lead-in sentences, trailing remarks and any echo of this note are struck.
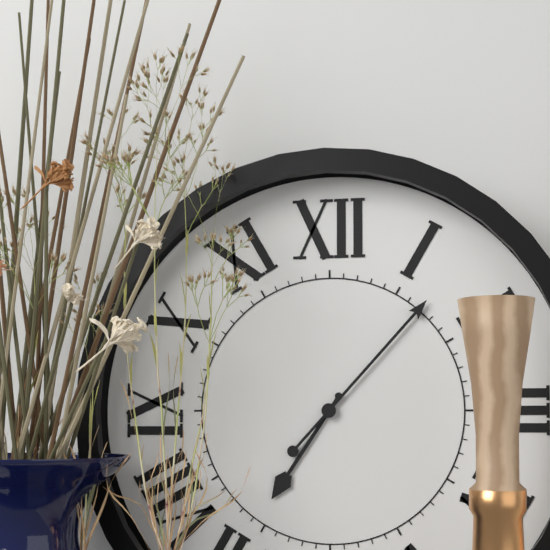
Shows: 7:07
